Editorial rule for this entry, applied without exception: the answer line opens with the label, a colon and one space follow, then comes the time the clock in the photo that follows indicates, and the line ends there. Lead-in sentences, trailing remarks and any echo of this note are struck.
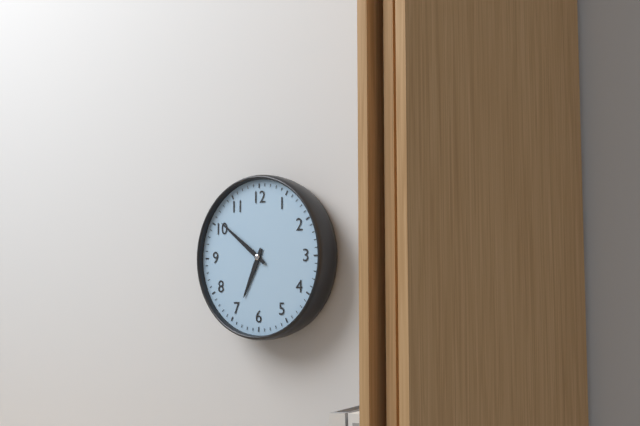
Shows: 6:51
